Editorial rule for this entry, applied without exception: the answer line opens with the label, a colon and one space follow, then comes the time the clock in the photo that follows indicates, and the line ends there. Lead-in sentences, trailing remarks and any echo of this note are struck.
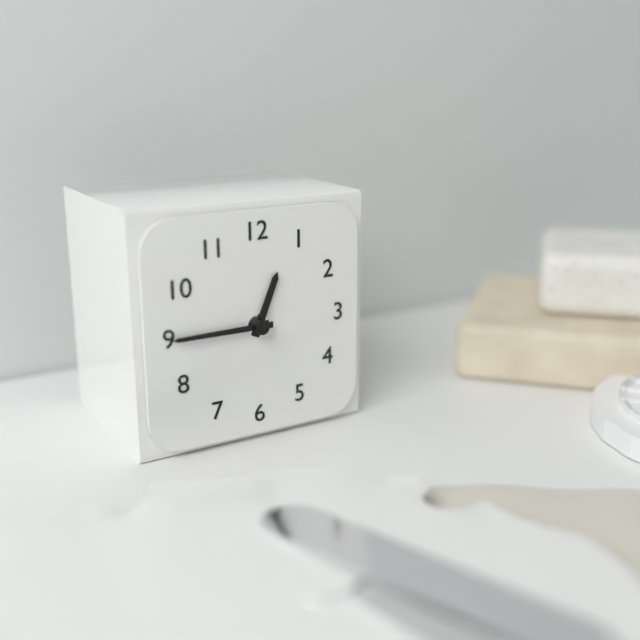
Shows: 12:45
